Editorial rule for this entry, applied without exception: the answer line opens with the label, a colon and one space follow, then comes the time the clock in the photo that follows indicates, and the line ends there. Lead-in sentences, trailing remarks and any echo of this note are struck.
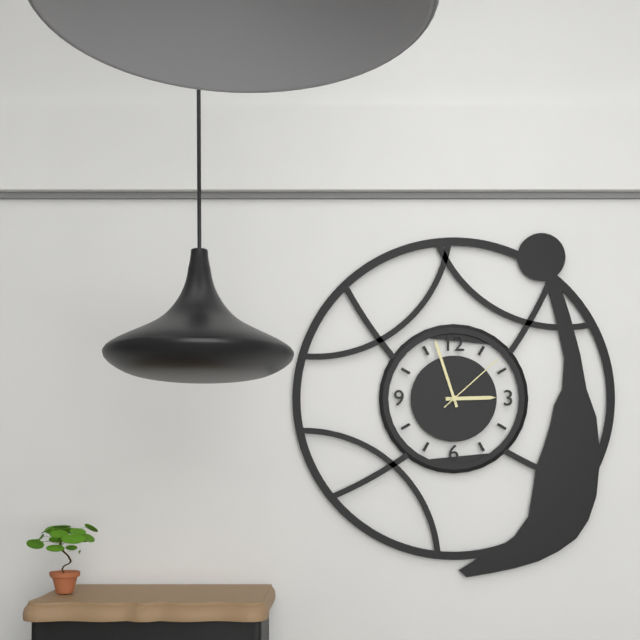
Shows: 2:57:08
